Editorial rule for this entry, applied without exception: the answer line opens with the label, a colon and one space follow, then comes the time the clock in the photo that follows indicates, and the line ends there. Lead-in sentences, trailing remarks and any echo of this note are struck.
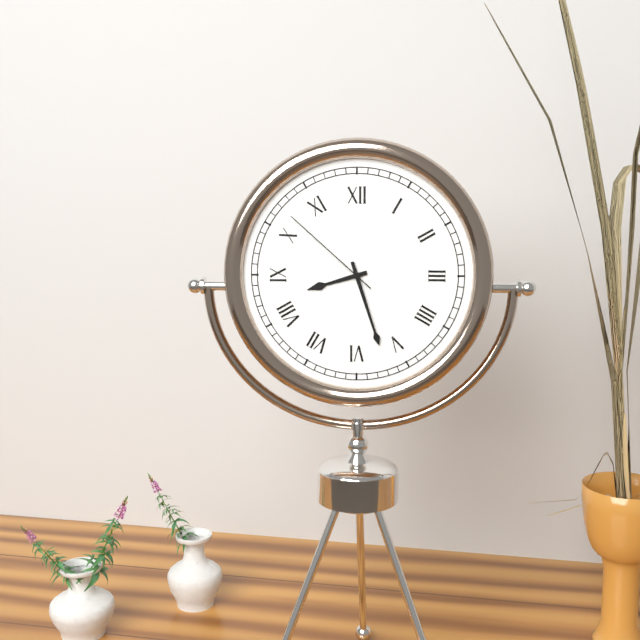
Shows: 8:27:52
